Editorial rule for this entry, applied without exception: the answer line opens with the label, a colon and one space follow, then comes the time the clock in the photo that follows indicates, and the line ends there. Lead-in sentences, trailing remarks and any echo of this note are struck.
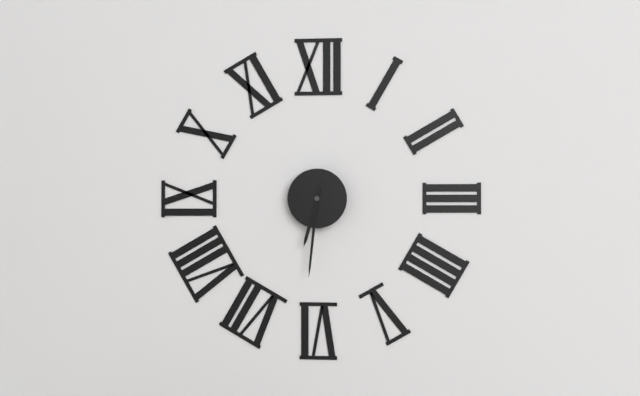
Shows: 6:31
